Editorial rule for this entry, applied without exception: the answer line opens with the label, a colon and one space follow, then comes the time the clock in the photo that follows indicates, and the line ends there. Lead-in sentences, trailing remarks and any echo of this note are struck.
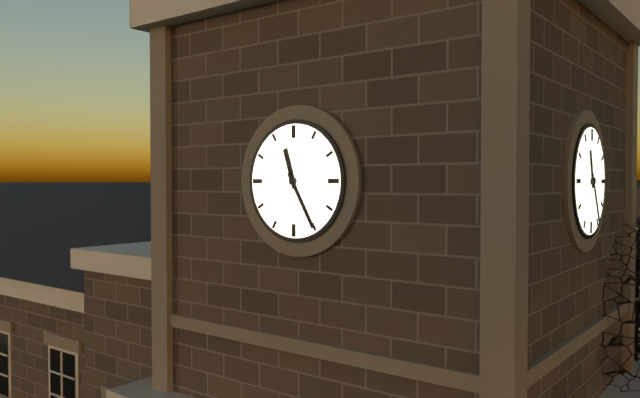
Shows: 11:25
